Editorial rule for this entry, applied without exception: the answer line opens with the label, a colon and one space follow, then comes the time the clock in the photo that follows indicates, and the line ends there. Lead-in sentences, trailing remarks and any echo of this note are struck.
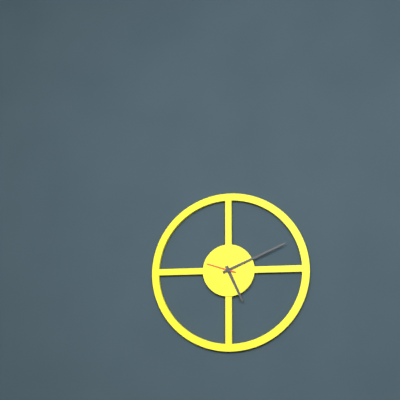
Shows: 5:11
